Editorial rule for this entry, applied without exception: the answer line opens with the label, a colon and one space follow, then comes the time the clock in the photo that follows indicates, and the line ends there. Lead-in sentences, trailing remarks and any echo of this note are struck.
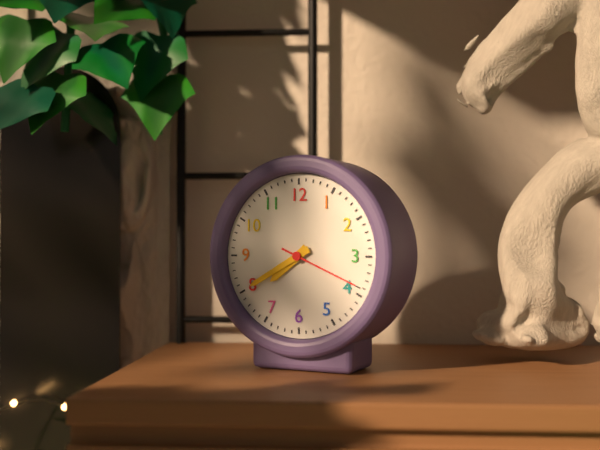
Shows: 7:40:19
